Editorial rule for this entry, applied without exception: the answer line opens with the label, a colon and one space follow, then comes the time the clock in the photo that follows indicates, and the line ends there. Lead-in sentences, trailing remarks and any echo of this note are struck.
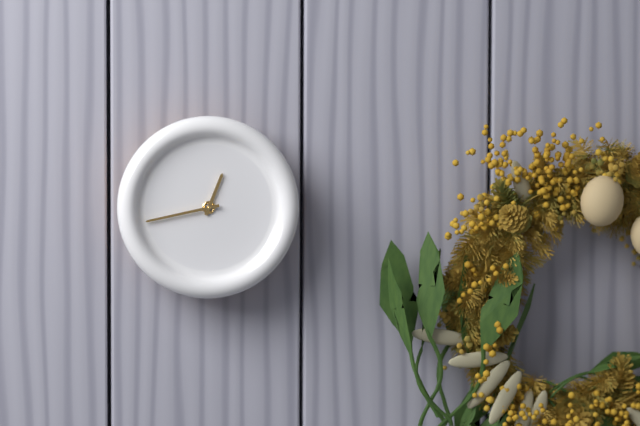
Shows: 12:43
